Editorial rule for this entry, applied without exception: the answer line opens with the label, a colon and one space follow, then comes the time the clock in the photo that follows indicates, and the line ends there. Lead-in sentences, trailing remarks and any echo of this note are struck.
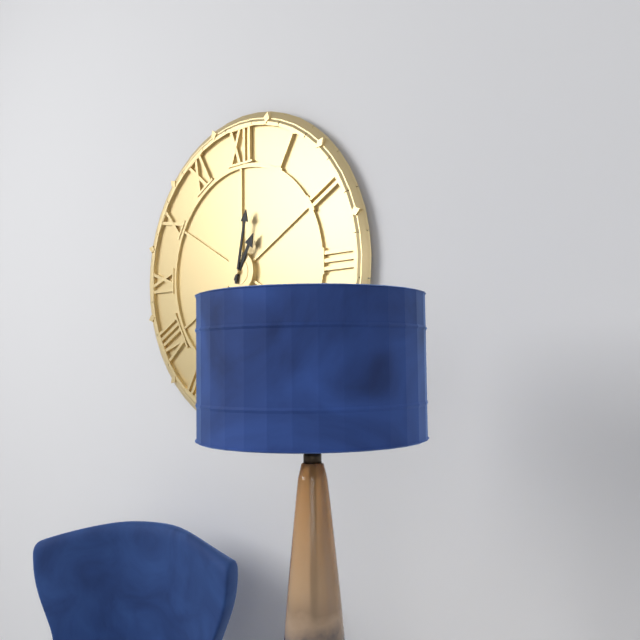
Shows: 1:02
